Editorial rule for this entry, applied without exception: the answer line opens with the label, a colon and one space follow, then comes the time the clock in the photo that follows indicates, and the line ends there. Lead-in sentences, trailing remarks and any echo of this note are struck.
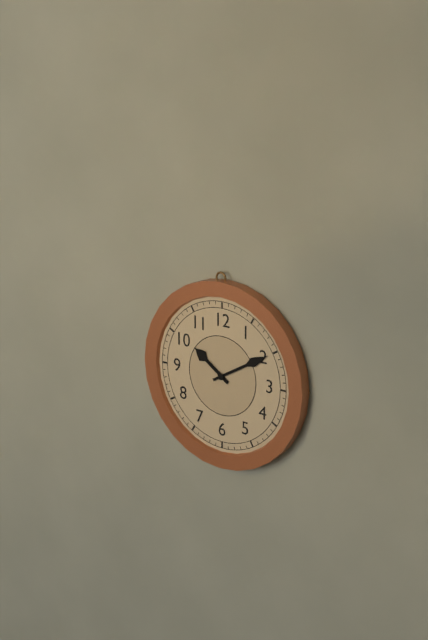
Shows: 10:10
